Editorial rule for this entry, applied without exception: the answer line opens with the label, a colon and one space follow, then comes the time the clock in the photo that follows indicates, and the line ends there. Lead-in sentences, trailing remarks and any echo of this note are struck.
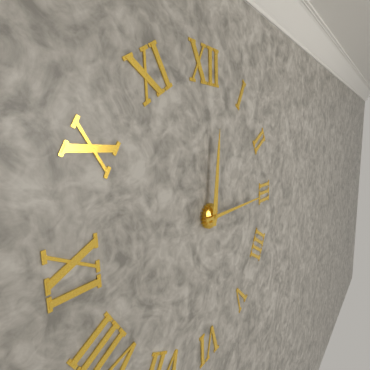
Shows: 12:15
